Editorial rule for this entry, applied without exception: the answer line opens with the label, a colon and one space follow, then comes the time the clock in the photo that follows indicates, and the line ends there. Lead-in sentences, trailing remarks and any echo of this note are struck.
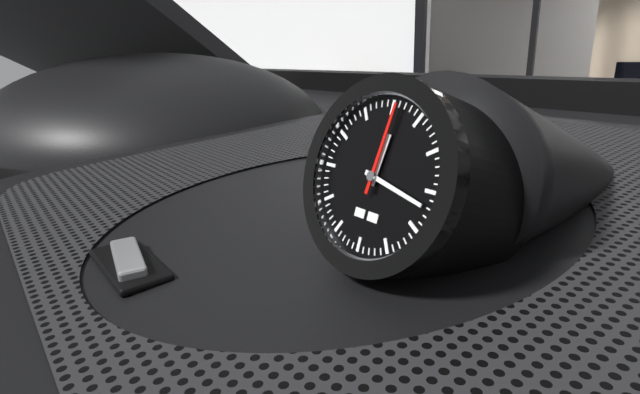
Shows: 12:17:01
